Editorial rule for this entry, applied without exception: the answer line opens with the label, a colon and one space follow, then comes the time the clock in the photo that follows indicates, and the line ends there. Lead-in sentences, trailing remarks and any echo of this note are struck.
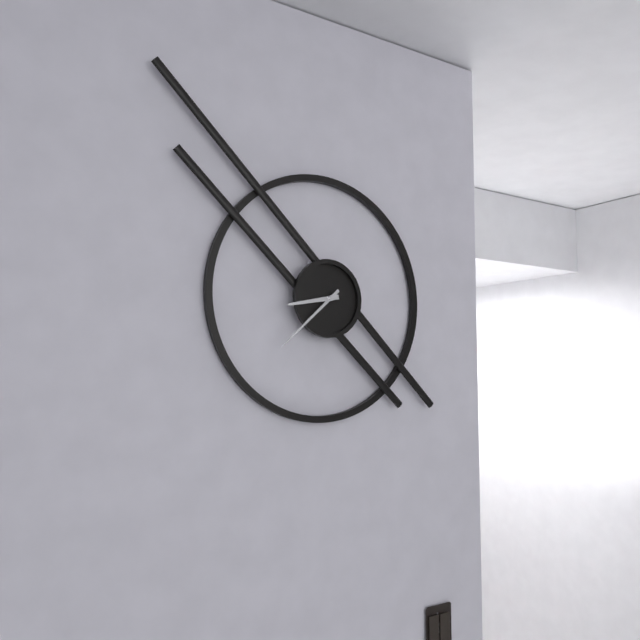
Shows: 8:38
